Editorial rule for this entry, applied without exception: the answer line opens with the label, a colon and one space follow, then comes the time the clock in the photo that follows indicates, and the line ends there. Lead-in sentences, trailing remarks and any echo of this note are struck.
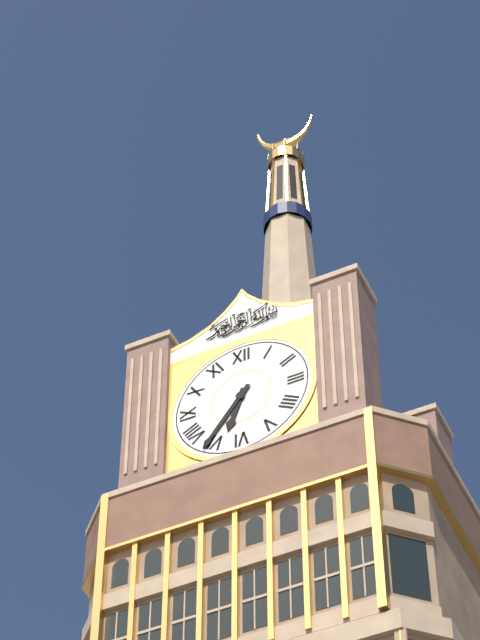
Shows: 6:36
